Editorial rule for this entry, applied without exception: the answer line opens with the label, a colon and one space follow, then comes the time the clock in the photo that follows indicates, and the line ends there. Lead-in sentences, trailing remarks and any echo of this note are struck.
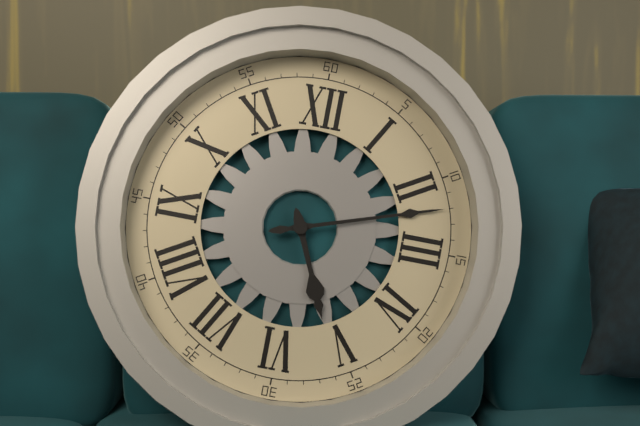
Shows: 5:12
